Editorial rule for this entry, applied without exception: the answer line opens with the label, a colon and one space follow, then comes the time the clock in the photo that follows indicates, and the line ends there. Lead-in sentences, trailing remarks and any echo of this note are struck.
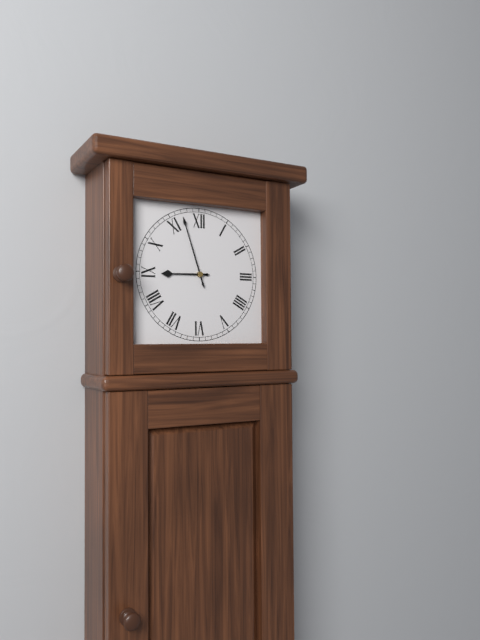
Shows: 8:57
